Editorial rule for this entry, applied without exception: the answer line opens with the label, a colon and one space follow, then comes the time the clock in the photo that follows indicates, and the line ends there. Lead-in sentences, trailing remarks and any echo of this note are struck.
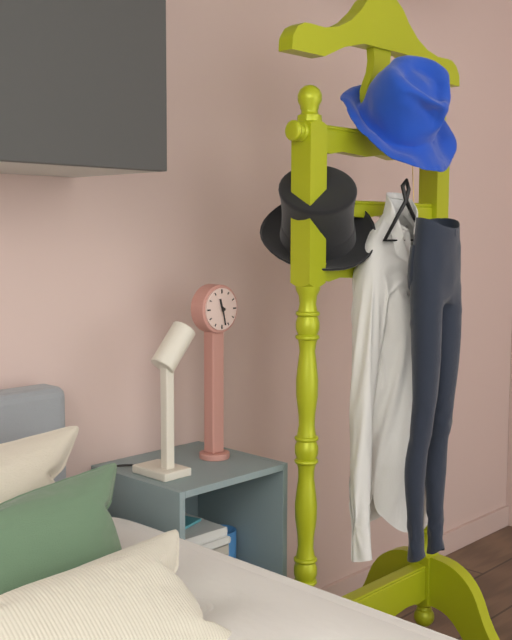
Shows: 11:28
